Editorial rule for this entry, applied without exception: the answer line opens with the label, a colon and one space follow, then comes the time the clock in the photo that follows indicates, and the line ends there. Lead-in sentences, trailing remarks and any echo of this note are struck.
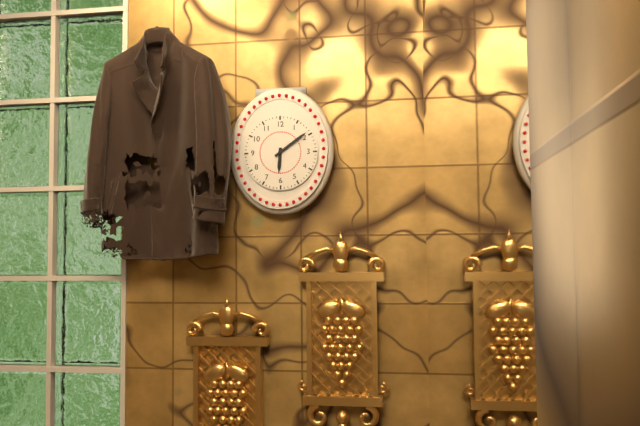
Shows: 6:09
